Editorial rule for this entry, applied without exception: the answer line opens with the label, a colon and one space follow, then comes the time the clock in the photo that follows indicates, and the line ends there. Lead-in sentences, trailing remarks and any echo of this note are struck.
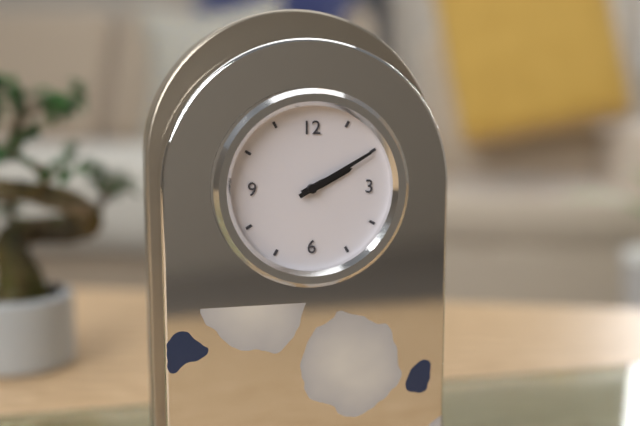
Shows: 2:10
